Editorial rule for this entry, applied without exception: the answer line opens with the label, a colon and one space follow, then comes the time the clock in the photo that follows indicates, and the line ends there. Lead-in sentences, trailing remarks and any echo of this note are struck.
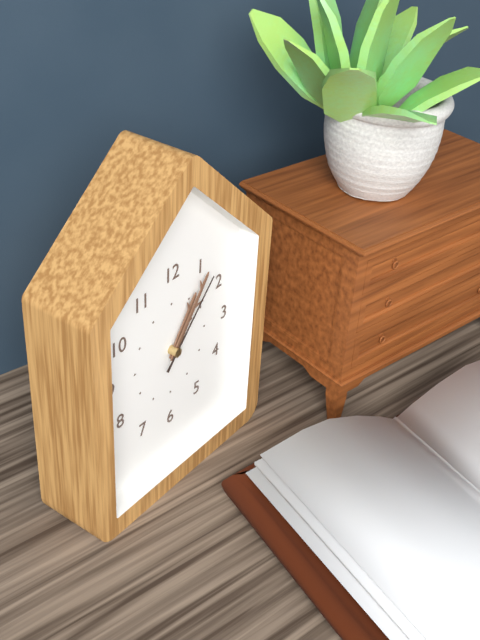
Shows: 1:06:07
